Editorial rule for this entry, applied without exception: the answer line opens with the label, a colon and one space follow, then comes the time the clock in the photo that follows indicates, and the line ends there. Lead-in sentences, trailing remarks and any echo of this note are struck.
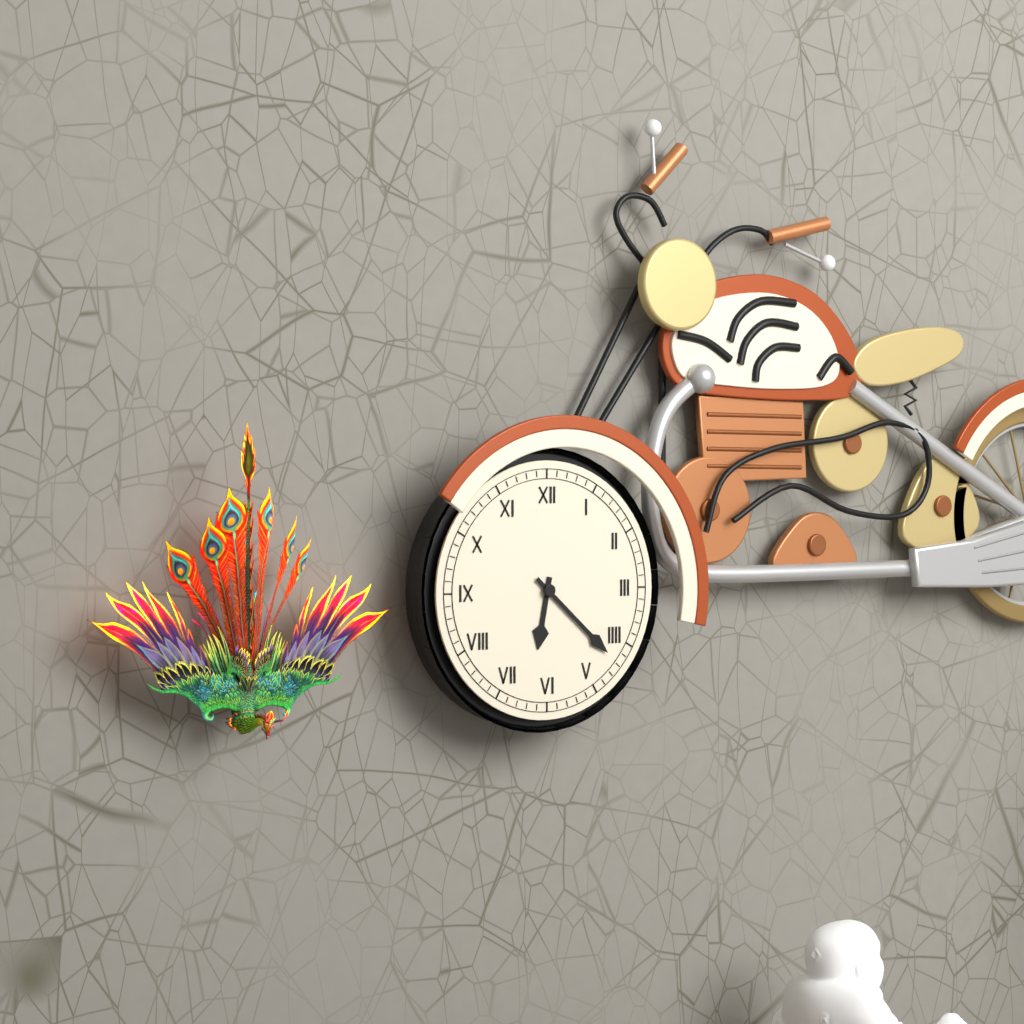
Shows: 6:22
